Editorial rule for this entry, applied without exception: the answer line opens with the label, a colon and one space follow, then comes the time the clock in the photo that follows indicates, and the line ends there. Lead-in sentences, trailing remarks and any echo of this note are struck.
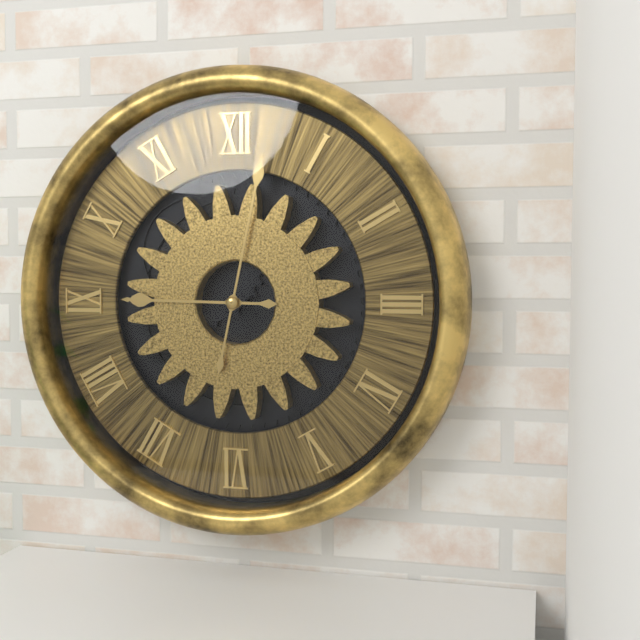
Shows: 9:02
